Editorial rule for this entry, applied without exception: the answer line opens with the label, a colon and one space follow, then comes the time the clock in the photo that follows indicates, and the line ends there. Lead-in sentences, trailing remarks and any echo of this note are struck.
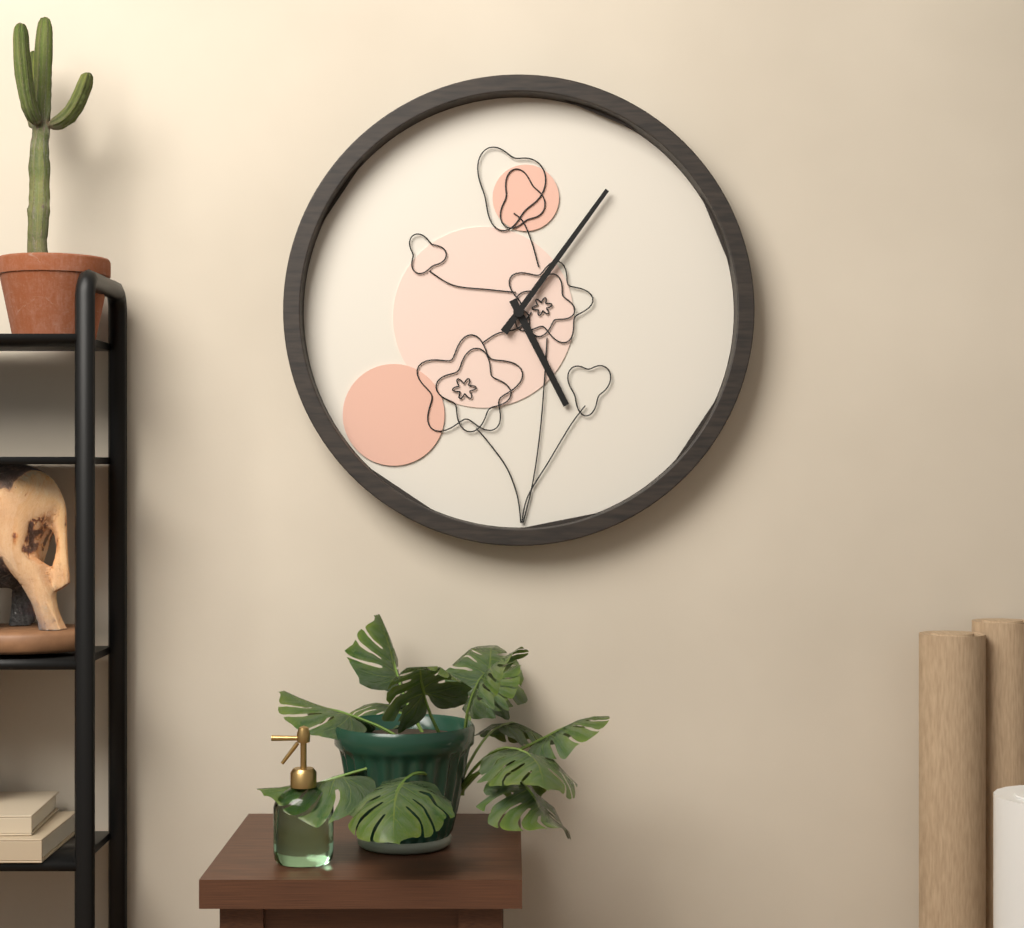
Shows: 5:06
